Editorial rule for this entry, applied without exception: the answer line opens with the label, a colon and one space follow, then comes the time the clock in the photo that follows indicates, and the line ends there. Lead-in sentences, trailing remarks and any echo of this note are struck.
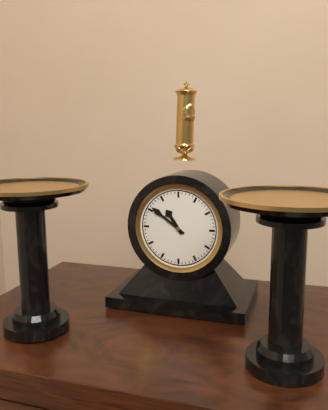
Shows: 10:51
